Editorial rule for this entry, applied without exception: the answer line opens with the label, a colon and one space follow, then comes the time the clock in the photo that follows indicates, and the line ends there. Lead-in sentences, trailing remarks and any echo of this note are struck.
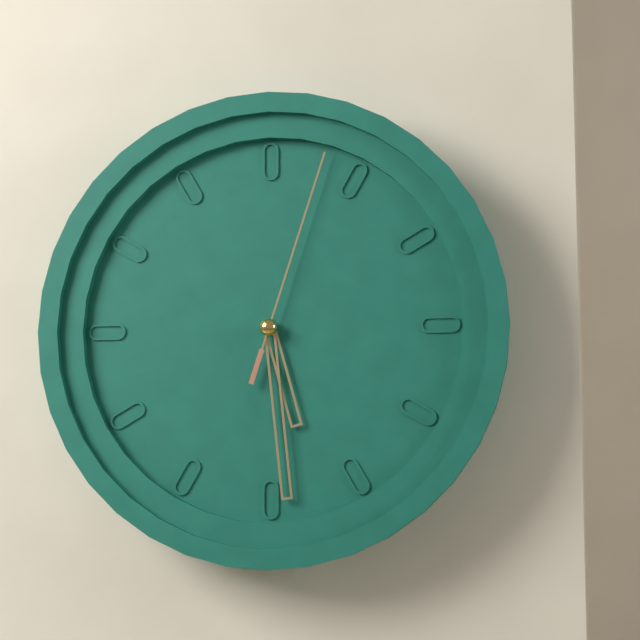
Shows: 5:29:03
